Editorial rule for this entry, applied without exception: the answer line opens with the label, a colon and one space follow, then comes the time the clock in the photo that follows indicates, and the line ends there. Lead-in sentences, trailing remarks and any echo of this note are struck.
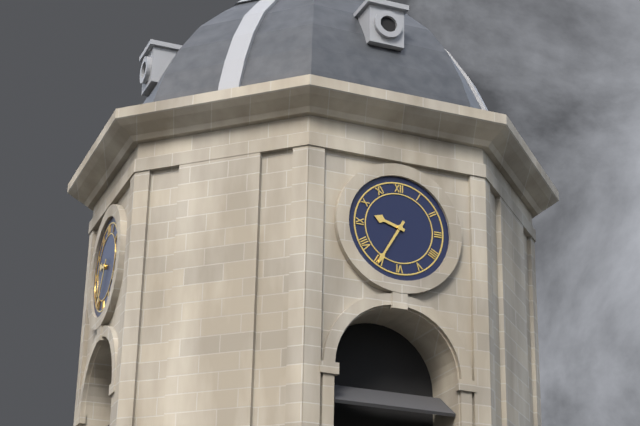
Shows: 9:35
